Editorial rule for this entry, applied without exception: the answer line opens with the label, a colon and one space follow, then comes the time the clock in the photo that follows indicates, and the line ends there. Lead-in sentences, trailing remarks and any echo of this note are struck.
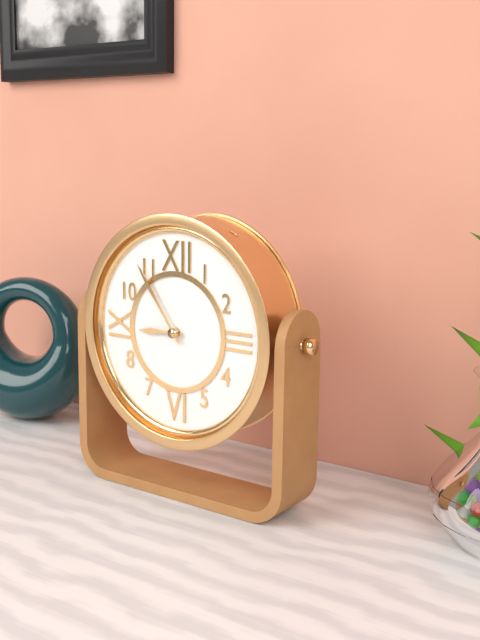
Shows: 8:54
